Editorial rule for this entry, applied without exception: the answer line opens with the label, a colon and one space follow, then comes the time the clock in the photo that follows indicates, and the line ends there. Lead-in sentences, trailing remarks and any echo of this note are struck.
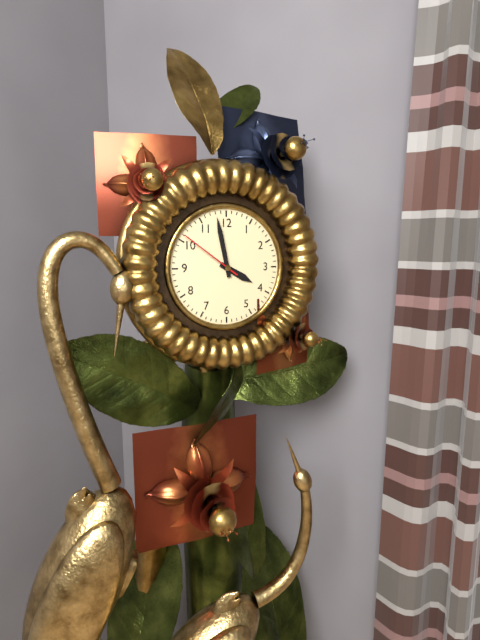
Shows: 3:58:51
